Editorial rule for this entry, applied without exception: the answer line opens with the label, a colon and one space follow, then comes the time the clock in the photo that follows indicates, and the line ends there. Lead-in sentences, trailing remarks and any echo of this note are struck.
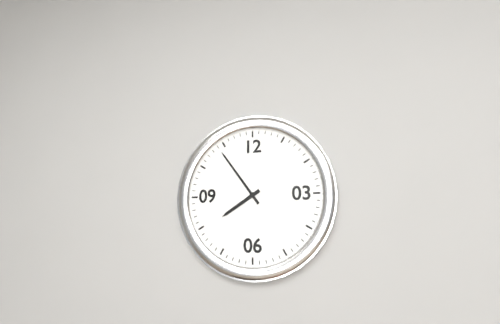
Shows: 7:54
